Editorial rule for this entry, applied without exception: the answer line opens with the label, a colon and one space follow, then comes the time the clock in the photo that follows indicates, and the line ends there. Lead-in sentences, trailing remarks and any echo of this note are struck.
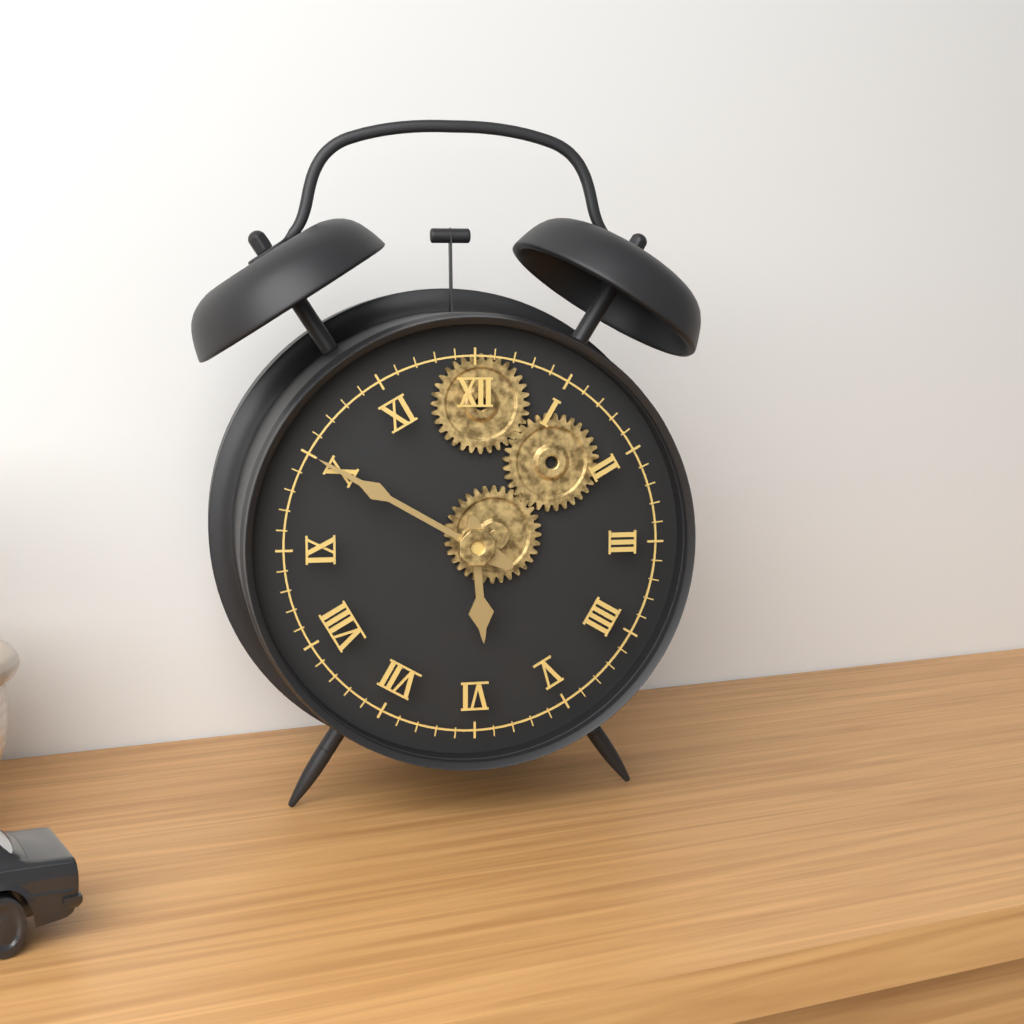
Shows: 5:50
